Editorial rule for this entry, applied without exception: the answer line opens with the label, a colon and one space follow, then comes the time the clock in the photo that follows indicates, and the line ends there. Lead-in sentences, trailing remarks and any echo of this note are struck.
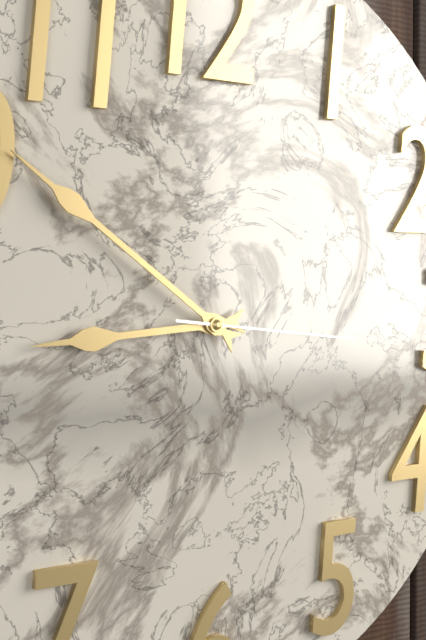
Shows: 8:51:16
